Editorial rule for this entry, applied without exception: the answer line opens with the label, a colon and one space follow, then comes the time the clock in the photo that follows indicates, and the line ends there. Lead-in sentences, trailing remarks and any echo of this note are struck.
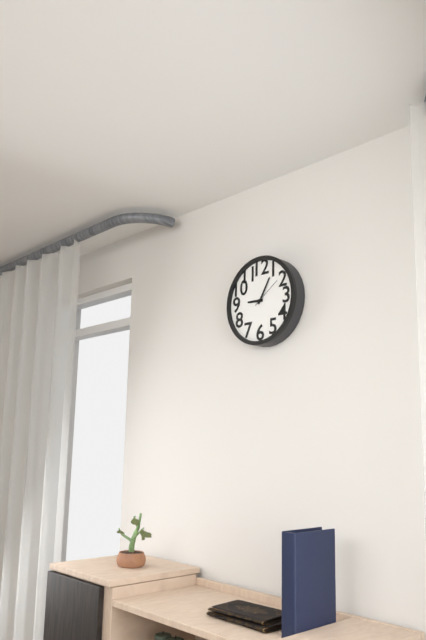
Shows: 9:05
